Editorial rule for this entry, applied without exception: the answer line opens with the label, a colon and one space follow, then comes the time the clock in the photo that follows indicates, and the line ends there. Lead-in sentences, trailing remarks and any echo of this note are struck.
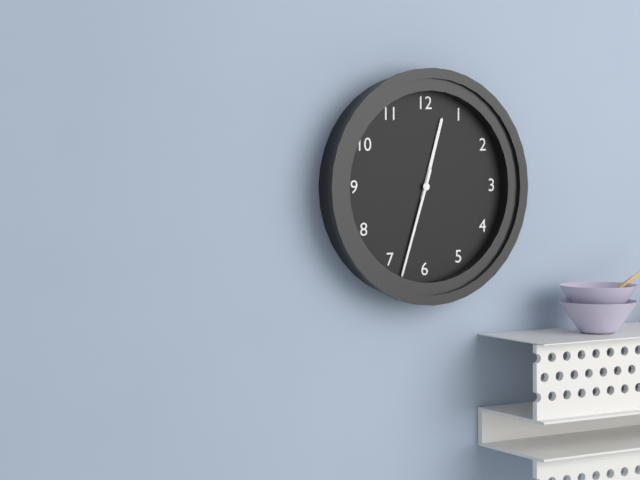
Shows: 12:33
